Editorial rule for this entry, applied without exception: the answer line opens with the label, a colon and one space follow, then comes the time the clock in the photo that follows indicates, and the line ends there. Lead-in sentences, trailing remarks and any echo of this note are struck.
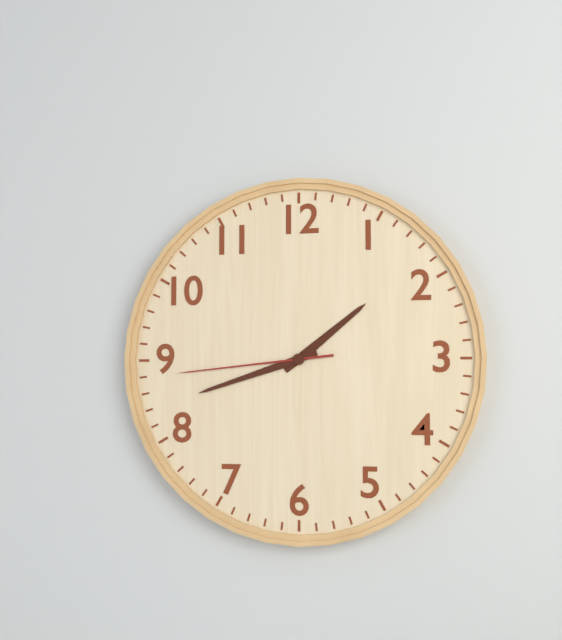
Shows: 1:42:44
